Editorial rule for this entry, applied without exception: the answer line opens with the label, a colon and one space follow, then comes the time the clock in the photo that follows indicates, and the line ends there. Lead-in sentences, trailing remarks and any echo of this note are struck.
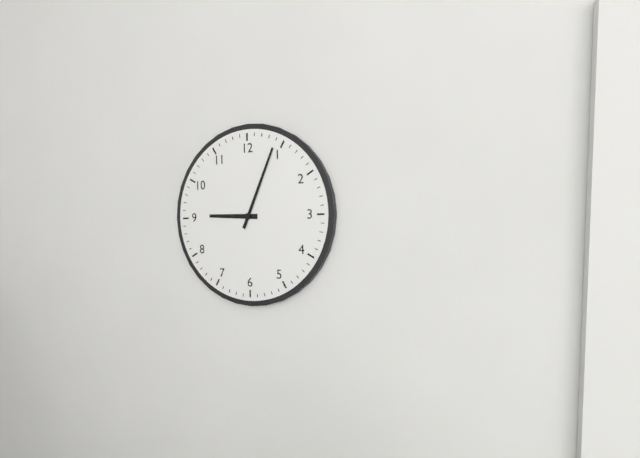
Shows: 9:04
